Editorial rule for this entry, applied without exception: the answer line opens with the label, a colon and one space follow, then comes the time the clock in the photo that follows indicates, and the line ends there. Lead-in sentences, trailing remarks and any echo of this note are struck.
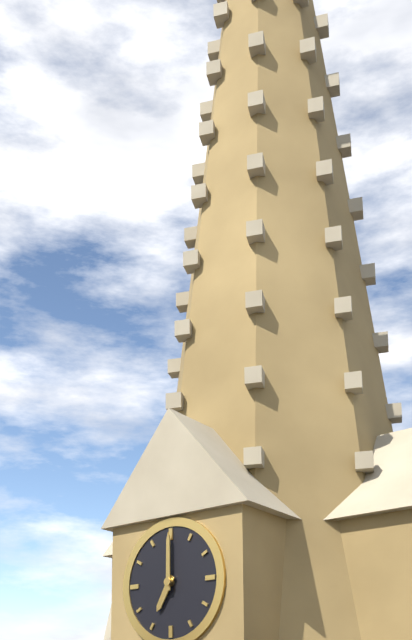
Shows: 7:00
